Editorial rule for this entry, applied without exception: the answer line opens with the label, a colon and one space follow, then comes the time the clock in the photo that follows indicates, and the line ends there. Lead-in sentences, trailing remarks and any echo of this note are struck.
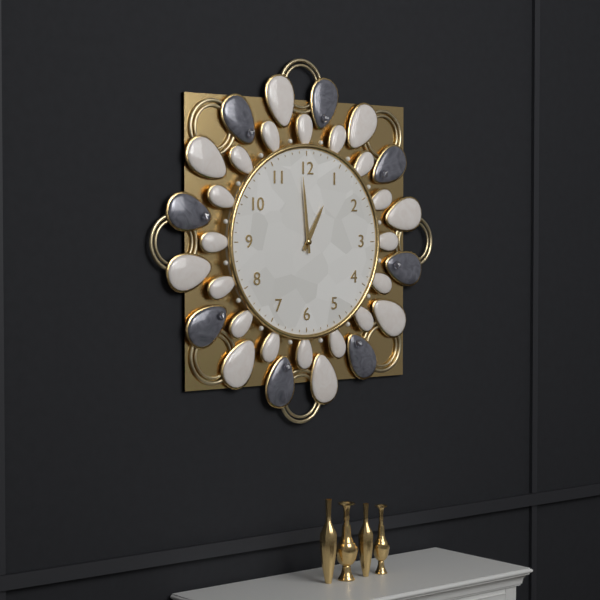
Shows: 12:59
